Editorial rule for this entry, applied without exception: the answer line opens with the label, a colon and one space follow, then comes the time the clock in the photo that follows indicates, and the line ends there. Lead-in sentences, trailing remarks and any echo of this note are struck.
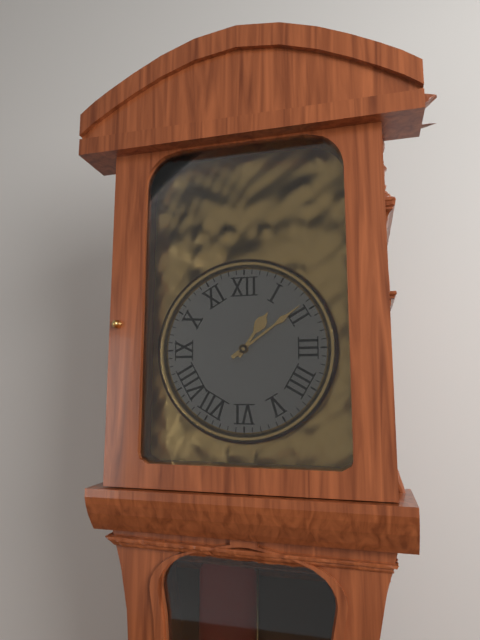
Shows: 1:09
